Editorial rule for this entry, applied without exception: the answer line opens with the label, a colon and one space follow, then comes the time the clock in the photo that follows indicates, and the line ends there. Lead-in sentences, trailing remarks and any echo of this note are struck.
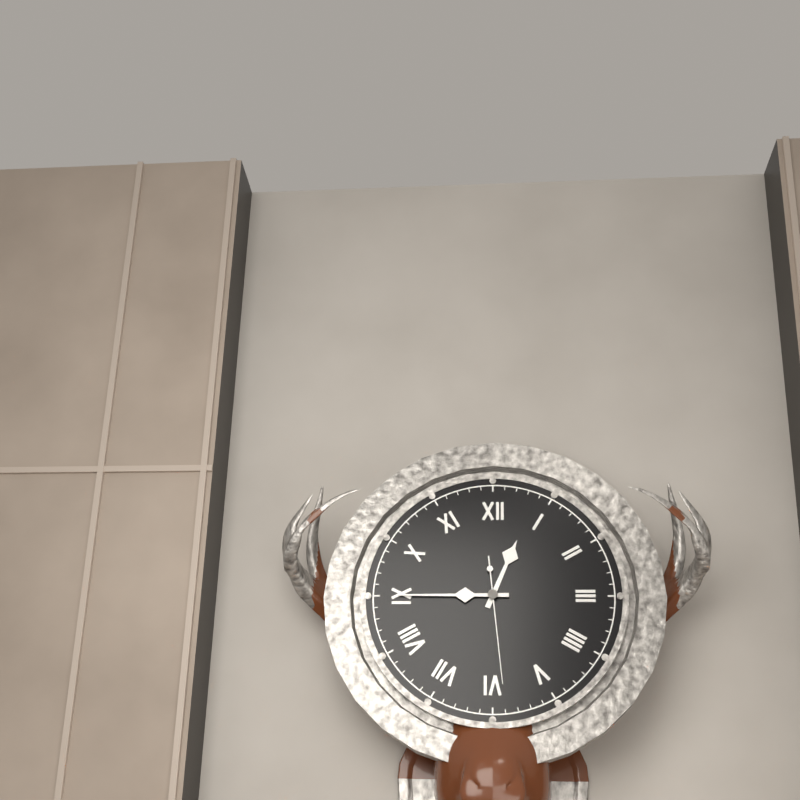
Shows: 12:45:29
